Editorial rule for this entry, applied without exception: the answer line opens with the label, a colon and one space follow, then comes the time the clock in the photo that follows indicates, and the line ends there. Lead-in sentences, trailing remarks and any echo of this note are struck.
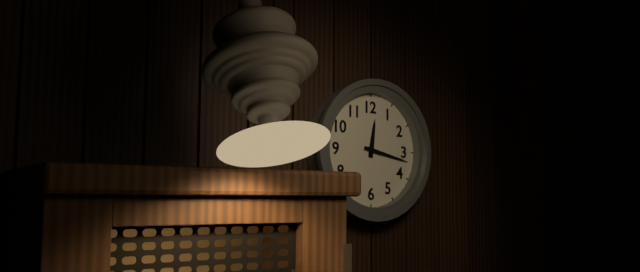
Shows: 12:17
